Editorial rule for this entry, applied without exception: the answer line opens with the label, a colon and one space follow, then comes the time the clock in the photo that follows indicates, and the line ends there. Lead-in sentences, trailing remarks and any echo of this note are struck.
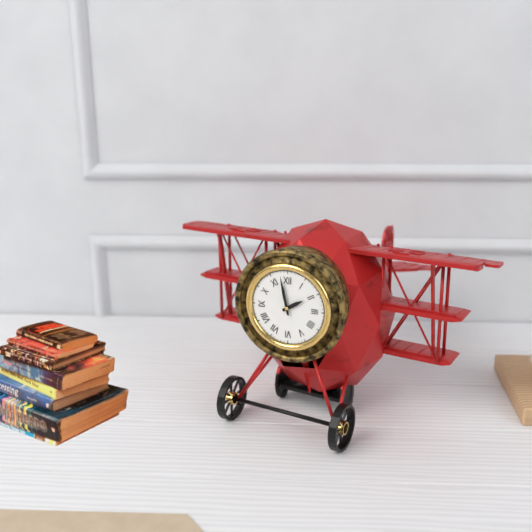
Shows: 1:58
